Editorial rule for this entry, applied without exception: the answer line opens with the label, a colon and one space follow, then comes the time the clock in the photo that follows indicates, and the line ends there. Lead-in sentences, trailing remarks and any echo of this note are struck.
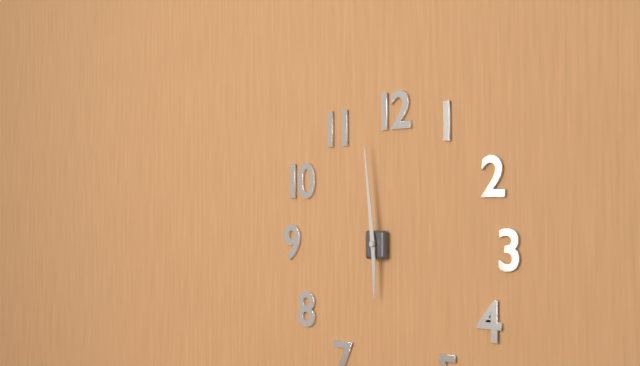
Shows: 5:59
